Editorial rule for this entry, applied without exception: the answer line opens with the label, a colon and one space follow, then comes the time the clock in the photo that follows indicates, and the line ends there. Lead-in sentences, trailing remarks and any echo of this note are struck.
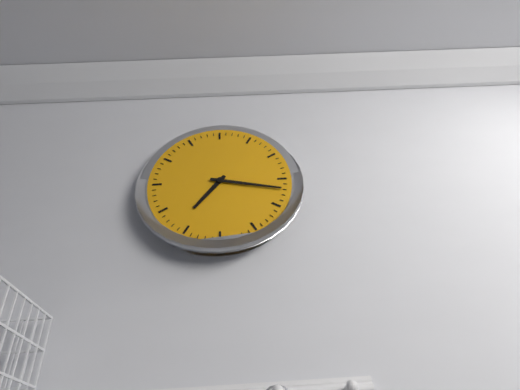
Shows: 7:17
